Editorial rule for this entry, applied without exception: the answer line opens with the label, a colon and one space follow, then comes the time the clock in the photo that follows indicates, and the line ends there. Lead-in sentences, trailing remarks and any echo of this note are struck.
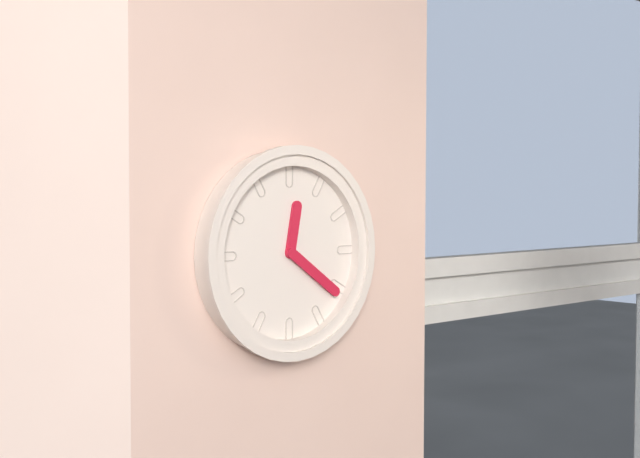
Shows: 12:21
